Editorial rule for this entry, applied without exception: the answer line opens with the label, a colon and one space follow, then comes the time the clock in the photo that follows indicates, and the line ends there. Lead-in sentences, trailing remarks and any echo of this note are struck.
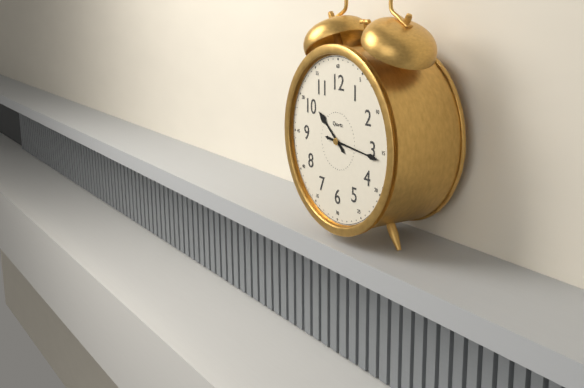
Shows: 10:16
